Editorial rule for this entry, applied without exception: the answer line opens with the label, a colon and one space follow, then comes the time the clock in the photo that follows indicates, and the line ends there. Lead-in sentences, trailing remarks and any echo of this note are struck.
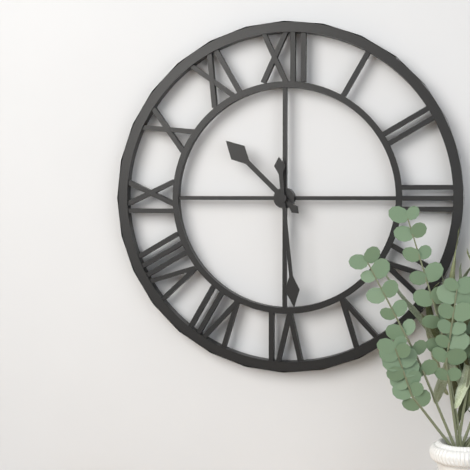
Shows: 10:29
